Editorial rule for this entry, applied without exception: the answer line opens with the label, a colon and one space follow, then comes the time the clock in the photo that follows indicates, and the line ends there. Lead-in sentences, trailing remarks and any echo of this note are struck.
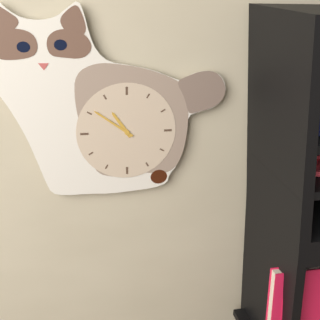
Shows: 10:51
